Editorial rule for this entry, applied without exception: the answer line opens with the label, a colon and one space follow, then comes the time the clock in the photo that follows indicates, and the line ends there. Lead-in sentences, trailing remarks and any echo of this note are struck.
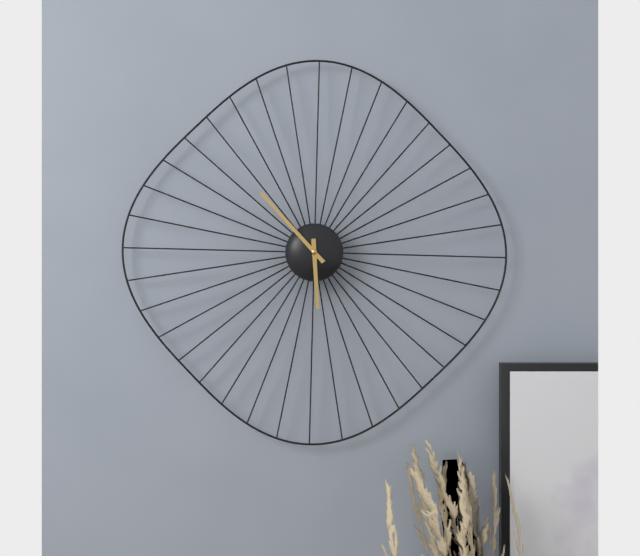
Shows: 5:53
